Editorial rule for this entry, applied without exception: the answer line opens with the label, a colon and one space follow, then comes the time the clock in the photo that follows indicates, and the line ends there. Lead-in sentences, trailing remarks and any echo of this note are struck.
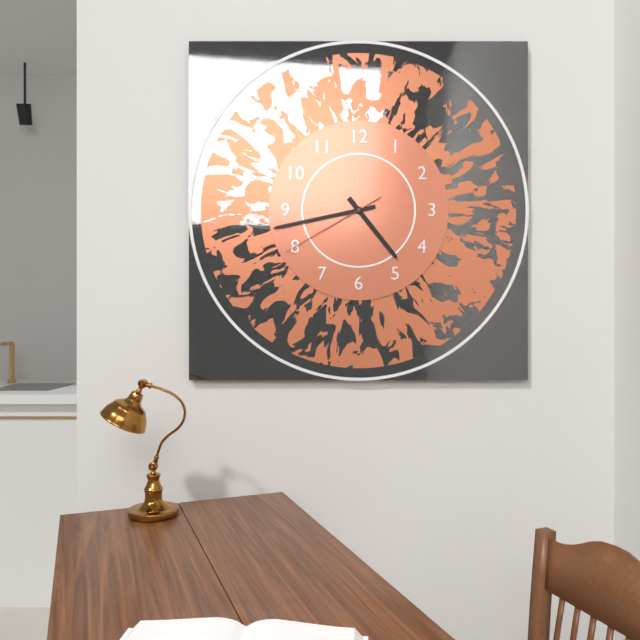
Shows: 4:43:40
